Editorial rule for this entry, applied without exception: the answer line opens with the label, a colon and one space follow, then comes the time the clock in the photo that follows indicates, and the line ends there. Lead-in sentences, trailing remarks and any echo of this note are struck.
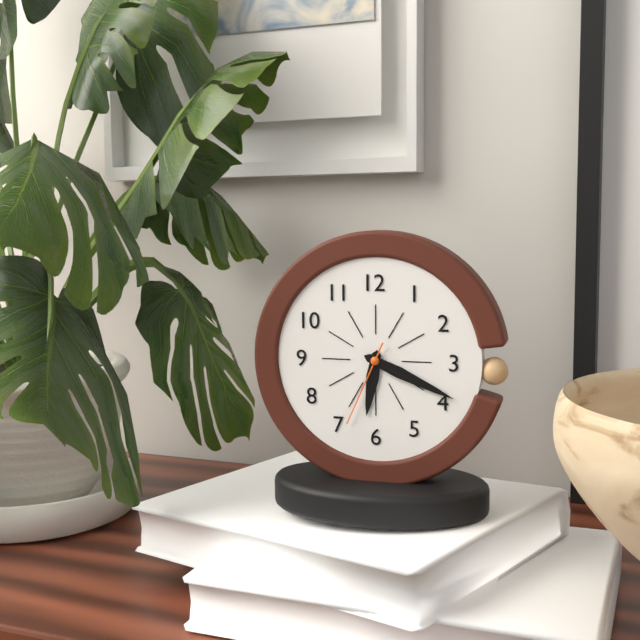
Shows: 6:19:34
